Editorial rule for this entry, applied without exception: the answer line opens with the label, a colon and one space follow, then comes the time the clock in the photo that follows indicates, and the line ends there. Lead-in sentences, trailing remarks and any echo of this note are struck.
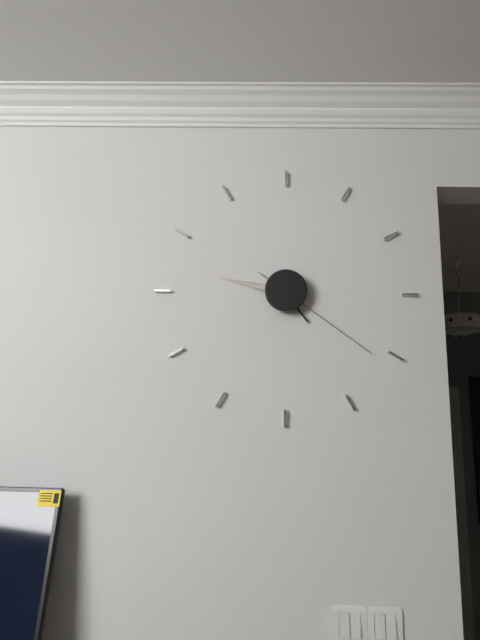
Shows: 4:47:21
